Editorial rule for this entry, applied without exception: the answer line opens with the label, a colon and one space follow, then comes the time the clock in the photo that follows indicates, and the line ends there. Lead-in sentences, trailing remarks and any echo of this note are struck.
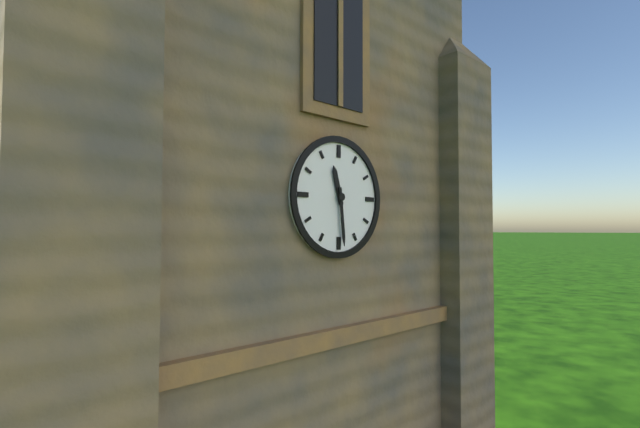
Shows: 11:29
